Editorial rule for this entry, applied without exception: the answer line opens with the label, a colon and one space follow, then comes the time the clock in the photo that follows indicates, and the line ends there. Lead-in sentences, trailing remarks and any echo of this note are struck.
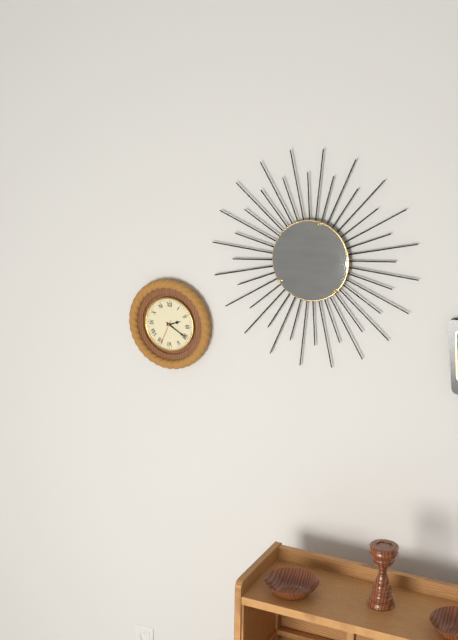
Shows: 2:20
